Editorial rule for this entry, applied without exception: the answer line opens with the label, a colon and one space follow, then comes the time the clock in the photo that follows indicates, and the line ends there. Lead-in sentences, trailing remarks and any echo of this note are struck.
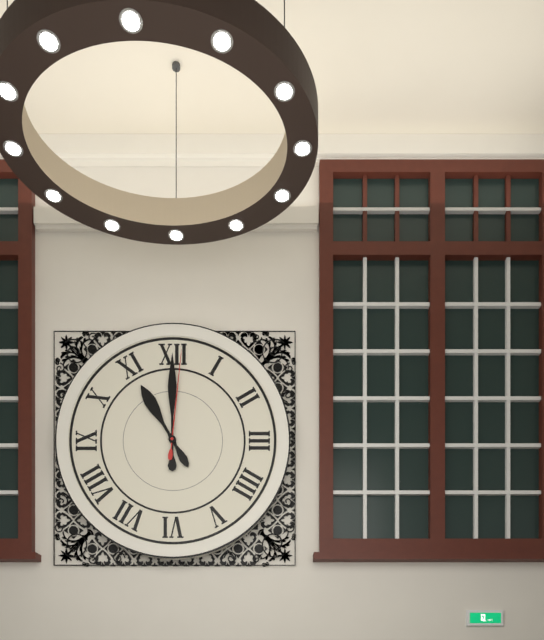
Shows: 11:00:01
